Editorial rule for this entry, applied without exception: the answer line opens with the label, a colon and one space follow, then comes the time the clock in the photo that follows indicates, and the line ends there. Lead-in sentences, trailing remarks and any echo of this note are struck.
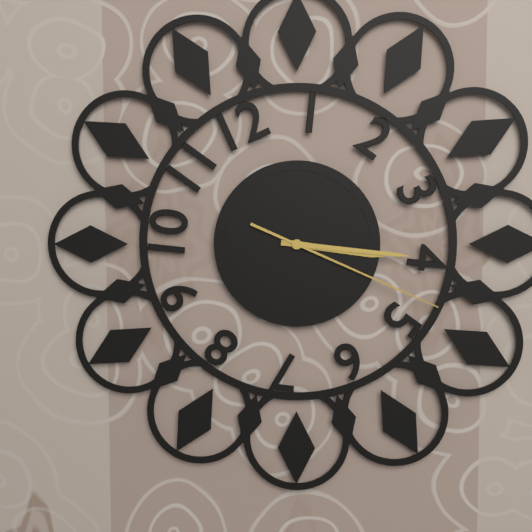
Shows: 3:16:19
